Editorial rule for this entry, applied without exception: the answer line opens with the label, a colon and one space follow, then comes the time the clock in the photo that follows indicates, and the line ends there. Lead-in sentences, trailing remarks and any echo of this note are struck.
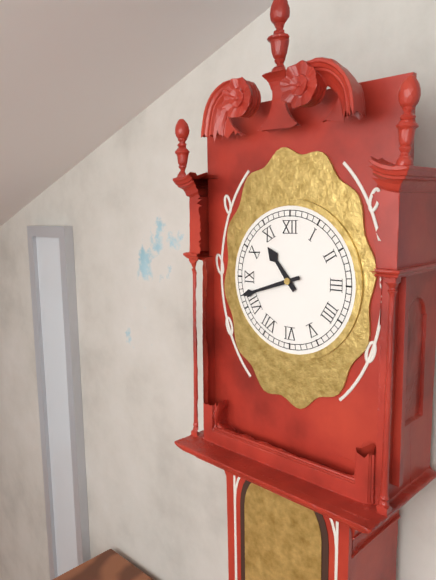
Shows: 10:42
